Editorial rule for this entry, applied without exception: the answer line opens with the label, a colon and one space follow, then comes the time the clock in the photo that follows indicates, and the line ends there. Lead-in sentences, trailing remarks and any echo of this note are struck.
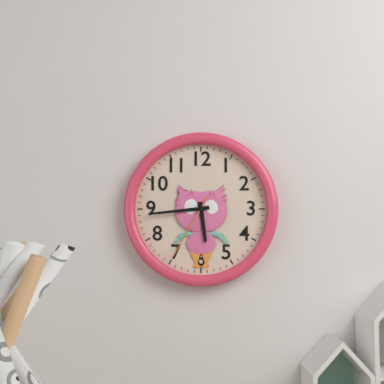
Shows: 5:44:35
